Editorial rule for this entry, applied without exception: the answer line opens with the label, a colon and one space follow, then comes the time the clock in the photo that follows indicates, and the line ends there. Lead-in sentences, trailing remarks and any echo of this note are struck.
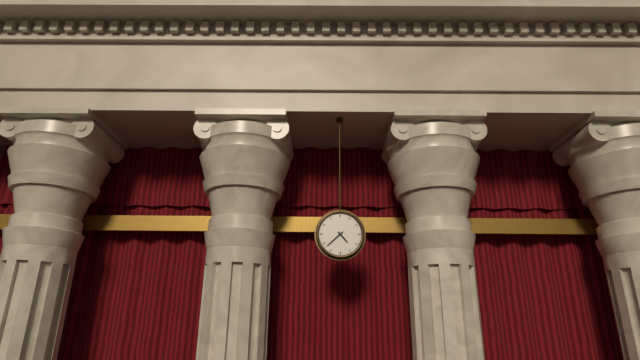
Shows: 4:38
